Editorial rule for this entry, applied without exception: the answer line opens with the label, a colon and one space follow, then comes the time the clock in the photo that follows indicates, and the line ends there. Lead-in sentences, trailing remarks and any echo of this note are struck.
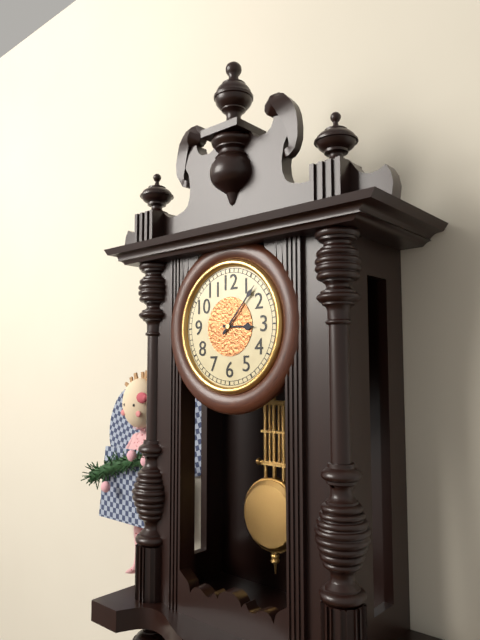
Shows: 3:07
